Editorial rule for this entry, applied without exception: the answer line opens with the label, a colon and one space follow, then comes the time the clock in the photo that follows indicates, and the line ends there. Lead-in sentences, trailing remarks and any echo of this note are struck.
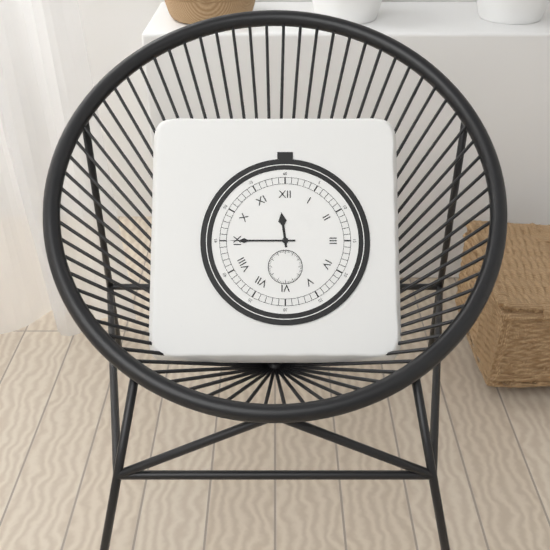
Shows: 11:45
